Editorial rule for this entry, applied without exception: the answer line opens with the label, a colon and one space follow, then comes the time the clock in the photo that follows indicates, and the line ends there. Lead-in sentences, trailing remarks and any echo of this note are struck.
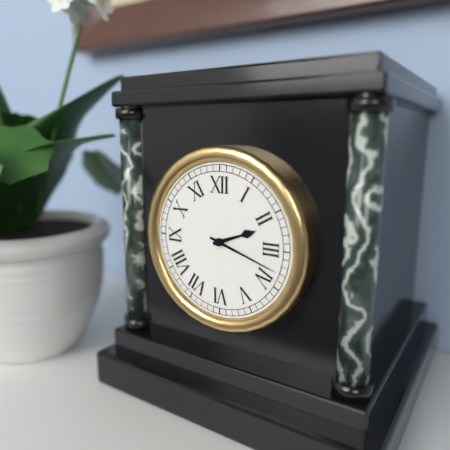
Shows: 2:18
